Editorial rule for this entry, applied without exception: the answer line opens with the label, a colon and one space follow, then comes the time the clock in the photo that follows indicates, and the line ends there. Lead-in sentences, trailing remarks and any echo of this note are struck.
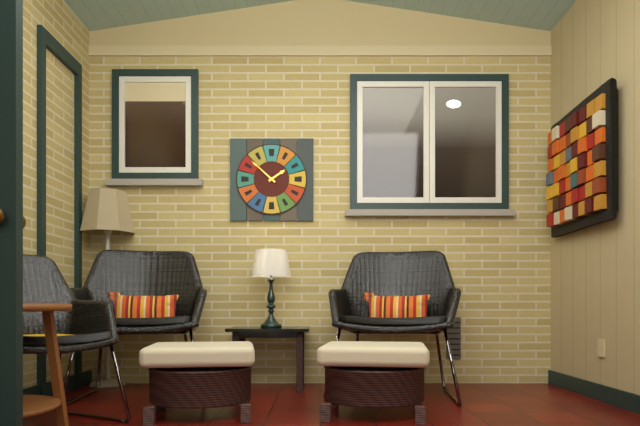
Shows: 1:52
